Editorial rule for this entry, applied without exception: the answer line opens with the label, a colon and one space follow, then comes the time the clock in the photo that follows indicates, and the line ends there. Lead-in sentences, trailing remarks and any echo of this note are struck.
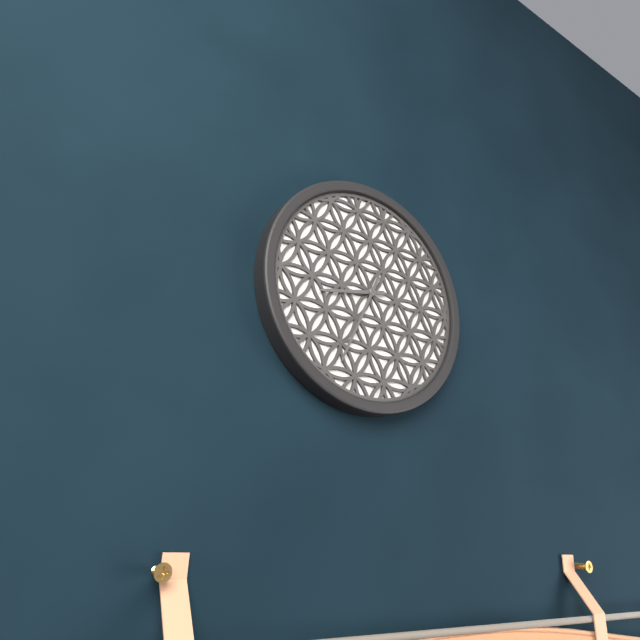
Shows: 8:34
